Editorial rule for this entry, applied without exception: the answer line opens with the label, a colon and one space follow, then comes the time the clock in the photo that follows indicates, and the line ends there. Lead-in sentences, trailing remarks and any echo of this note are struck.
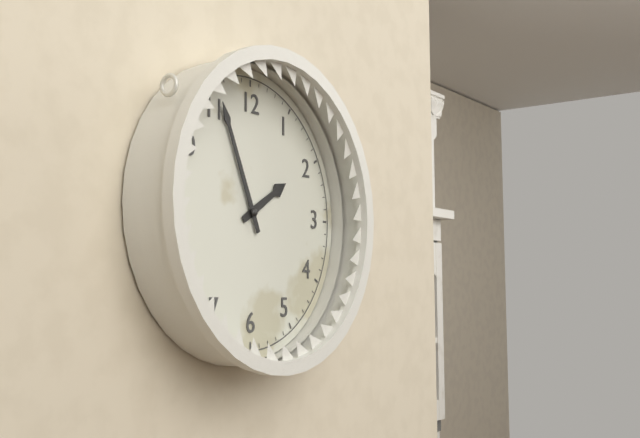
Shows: 1:56
